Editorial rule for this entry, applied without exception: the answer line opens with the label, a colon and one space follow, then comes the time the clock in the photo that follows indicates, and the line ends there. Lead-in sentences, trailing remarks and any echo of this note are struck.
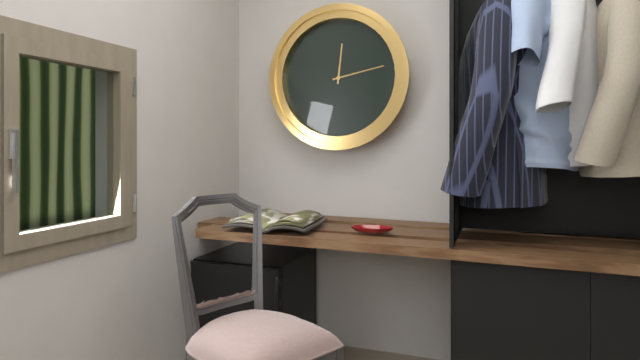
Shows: 12:13
